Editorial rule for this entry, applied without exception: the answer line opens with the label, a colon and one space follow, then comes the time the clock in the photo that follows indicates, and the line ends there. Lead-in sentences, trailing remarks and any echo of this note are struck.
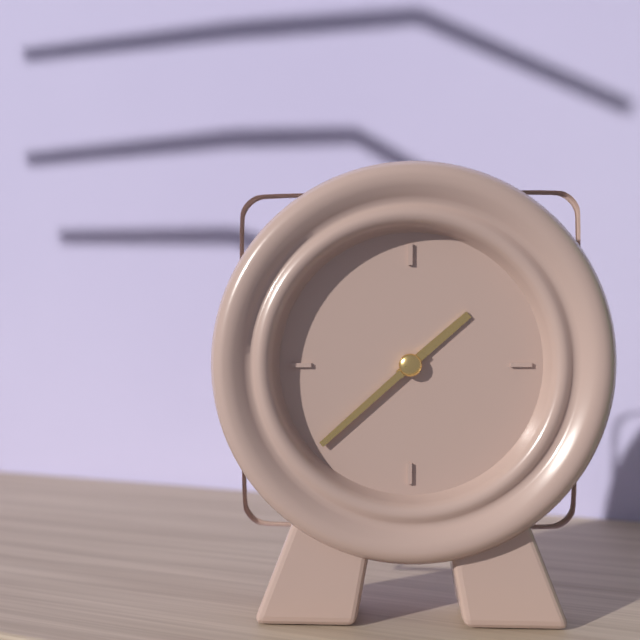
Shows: 1:38
